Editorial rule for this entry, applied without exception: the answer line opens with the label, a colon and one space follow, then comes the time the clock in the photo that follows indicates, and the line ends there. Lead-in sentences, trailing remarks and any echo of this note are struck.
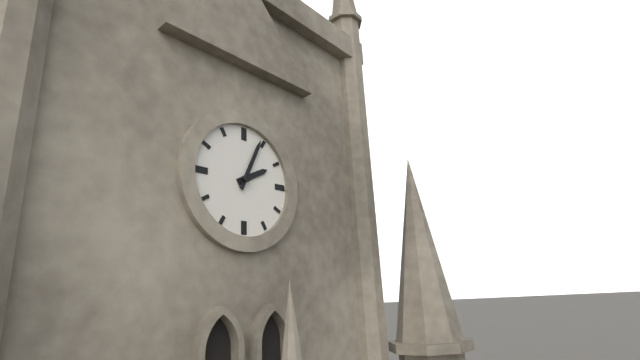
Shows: 2:04
